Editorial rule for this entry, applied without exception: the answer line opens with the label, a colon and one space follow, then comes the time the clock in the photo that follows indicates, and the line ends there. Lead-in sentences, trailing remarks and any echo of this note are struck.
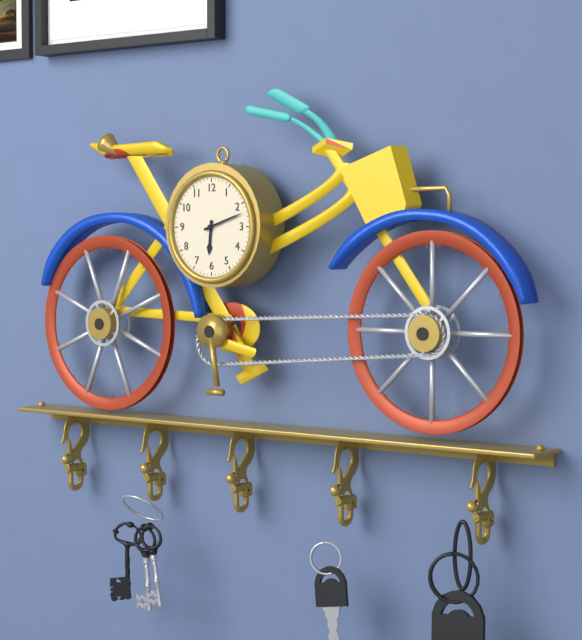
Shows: 6:12
